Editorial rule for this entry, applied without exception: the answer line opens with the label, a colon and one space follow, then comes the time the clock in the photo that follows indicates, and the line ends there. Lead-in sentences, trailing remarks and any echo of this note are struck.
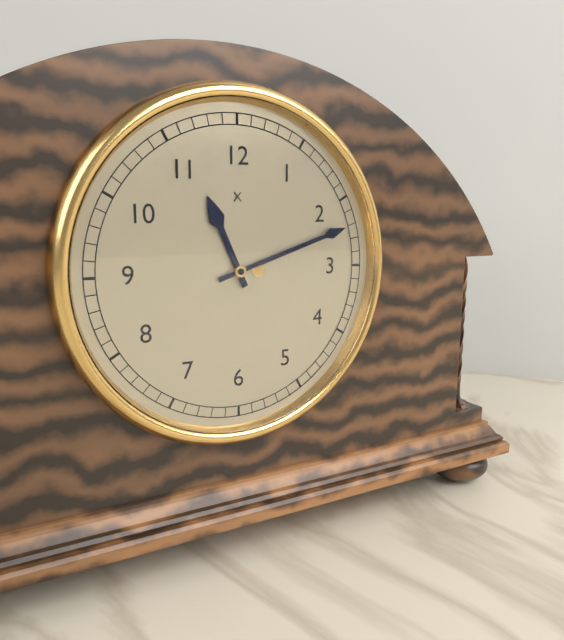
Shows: 11:12
